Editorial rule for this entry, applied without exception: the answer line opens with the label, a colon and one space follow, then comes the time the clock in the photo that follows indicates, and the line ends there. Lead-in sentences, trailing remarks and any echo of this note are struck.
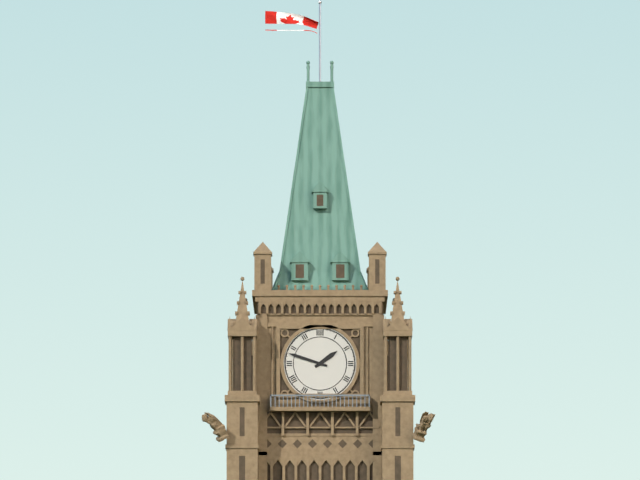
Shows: 1:48
